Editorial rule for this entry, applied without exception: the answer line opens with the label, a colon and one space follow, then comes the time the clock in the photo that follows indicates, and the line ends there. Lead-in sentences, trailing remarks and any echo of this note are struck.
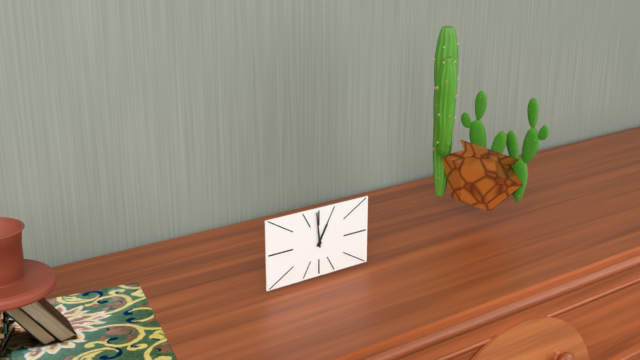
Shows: 12:59
